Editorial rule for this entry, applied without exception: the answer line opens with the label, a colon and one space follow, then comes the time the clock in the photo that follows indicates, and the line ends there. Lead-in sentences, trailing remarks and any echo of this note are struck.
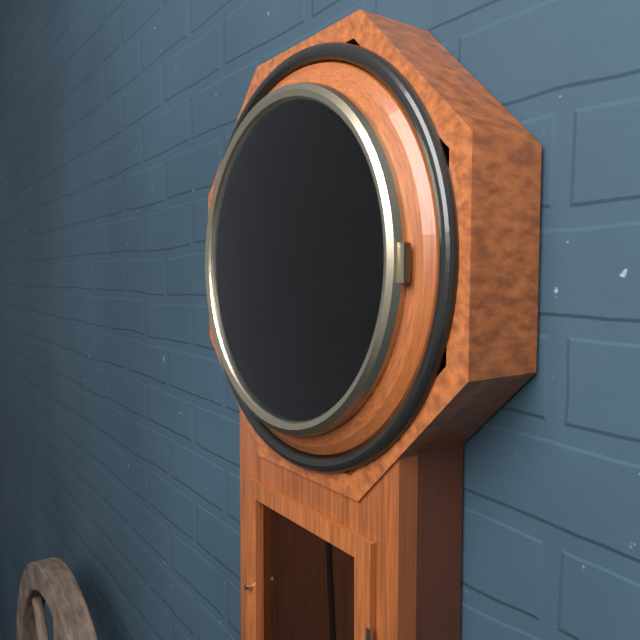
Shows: 4:36
